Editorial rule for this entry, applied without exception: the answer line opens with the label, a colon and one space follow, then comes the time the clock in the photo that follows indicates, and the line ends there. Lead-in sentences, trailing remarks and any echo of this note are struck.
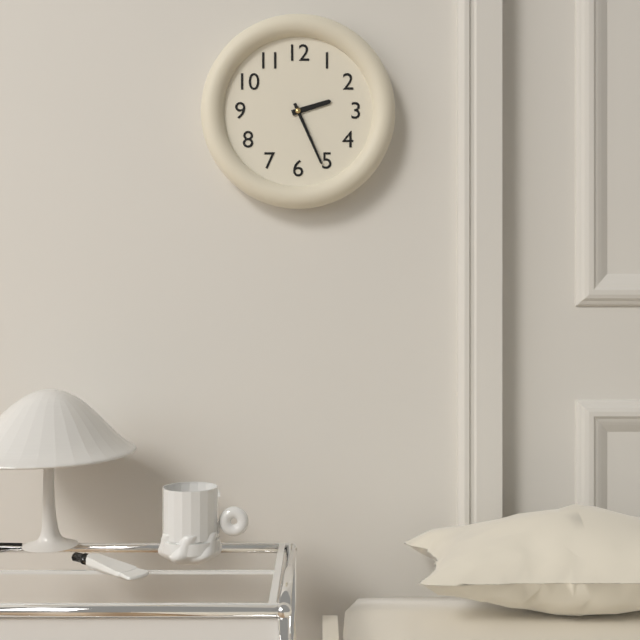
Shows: 2:26
